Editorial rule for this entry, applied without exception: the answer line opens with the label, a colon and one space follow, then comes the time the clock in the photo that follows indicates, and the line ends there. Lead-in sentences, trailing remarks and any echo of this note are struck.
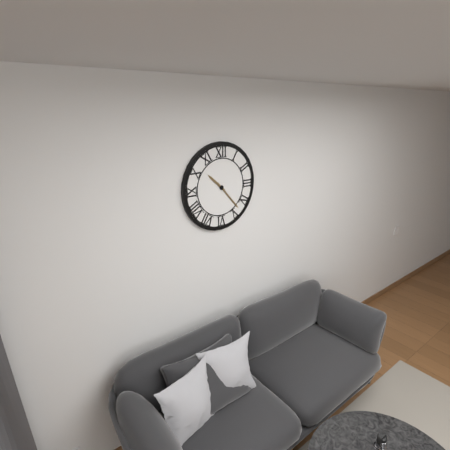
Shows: 10:23
